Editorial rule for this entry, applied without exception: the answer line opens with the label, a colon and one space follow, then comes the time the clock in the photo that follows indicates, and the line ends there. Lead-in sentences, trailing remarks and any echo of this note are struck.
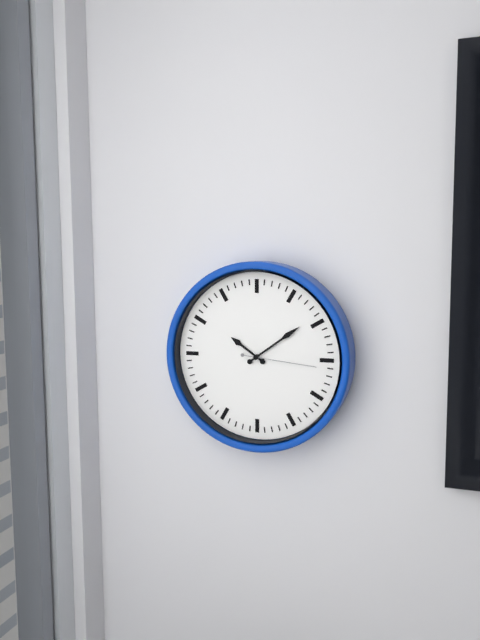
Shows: 10:09:16
